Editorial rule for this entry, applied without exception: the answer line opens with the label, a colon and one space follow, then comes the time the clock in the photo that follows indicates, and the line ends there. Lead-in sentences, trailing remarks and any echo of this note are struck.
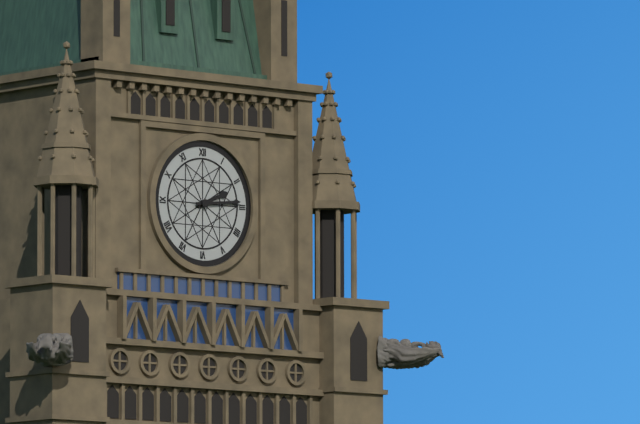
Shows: 2:14
